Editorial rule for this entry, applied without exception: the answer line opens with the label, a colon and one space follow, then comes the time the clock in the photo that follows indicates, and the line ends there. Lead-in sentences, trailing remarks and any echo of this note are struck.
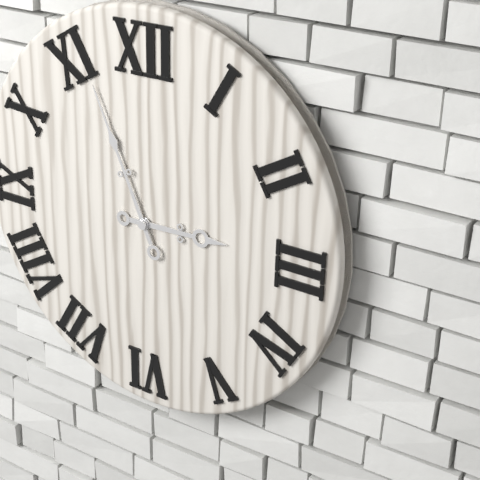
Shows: 2:56
